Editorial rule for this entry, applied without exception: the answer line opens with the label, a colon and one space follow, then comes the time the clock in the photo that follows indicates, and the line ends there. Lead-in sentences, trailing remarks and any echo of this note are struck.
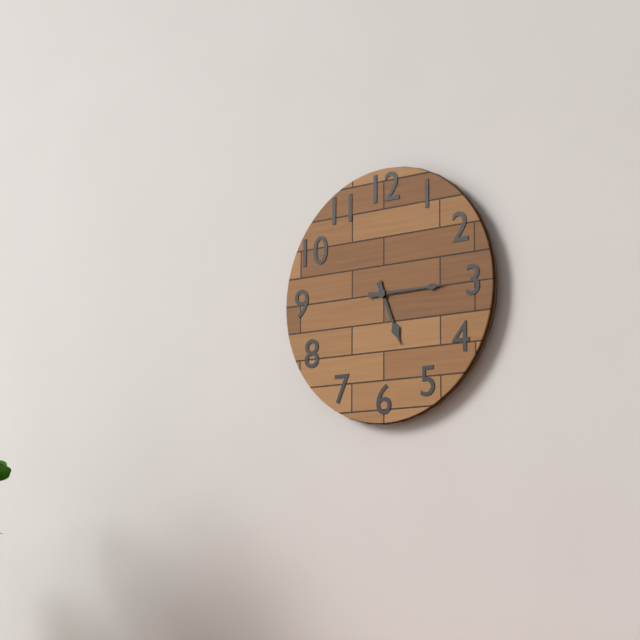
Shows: 5:15
